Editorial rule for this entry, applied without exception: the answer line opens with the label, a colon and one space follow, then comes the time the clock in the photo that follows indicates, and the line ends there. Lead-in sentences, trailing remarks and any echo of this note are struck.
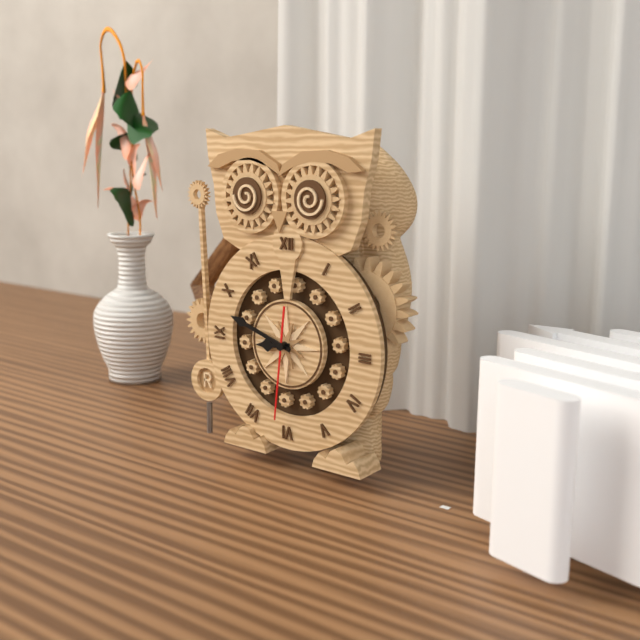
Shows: 8:48:31
